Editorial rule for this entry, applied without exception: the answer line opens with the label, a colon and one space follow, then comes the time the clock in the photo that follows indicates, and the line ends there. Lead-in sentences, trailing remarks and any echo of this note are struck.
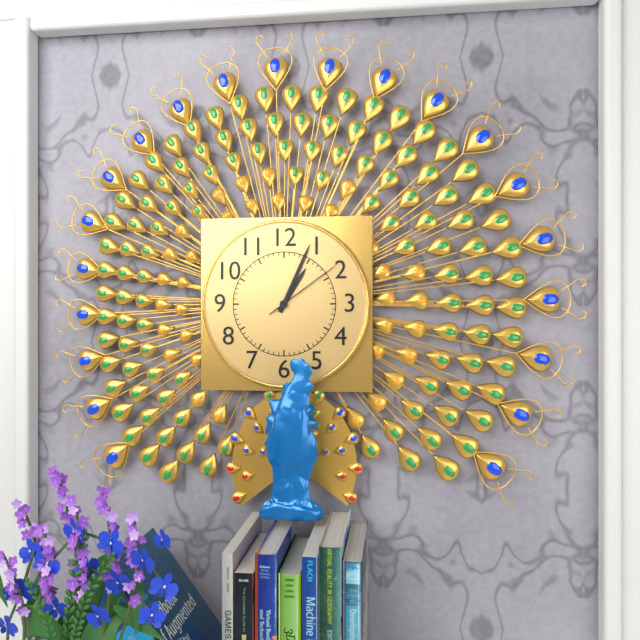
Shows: 1:04:09
